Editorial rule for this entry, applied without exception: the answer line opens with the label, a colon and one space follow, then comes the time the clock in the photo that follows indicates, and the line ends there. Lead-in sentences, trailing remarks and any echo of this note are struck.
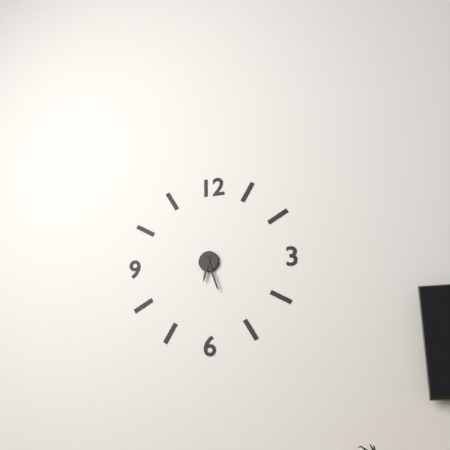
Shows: 6:27
